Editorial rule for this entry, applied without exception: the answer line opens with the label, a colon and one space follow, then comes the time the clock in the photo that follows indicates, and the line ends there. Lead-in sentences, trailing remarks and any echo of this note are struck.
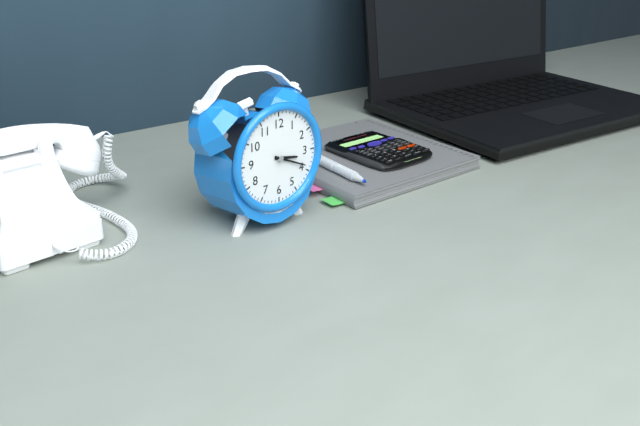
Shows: 3:19
